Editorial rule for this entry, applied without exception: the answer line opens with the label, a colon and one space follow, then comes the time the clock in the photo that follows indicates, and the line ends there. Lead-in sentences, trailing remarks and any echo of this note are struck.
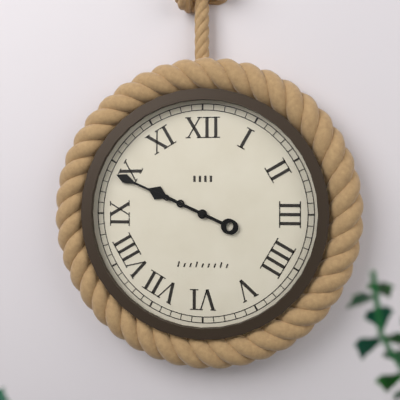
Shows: 9:49
